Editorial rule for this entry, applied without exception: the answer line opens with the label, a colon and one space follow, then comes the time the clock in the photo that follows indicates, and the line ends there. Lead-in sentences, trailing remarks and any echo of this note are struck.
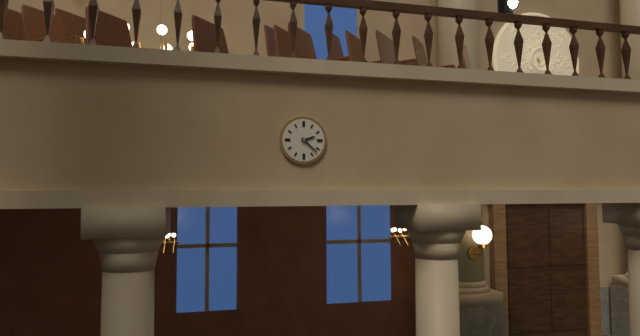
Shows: 2:22
